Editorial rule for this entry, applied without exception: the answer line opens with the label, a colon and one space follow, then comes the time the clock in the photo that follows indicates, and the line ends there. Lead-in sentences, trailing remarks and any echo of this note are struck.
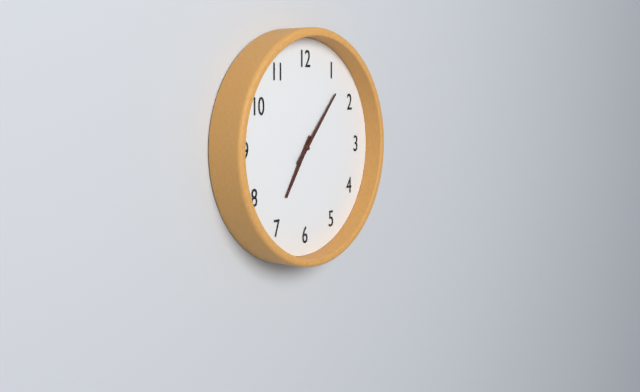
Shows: 7:07
